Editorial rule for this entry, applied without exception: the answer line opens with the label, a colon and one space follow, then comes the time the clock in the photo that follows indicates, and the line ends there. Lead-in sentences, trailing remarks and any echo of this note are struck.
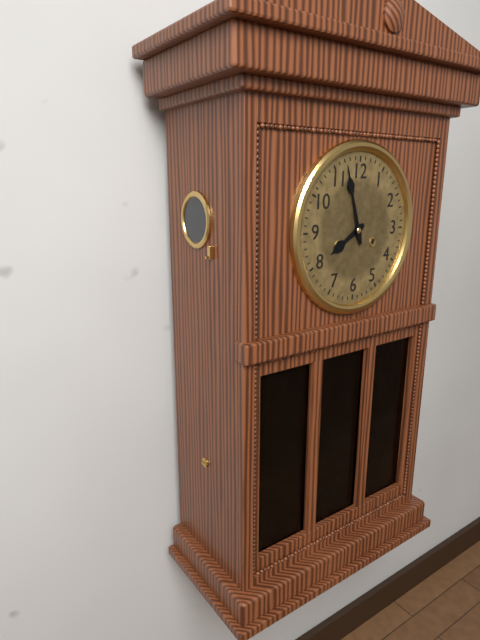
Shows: 7:57
